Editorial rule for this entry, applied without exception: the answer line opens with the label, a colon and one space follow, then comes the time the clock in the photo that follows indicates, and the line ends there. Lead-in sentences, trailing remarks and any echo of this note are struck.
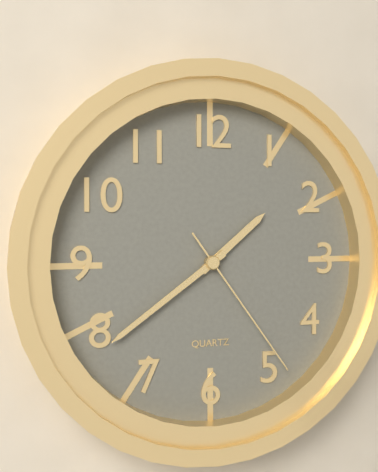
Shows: 1:39:24
